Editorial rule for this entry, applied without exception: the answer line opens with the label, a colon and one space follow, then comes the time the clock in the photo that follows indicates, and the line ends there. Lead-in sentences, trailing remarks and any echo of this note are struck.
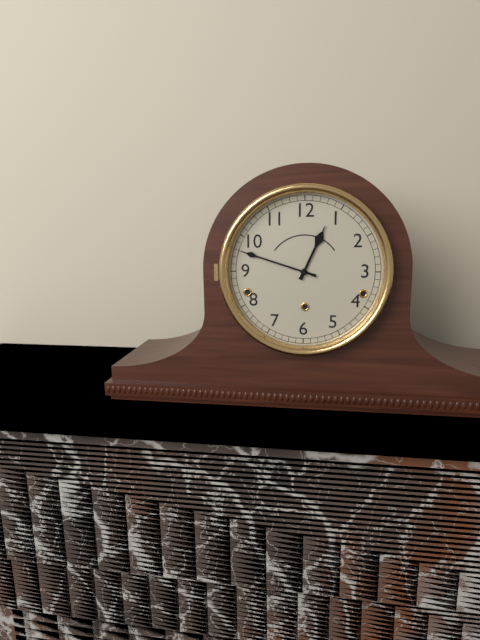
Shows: 12:48
